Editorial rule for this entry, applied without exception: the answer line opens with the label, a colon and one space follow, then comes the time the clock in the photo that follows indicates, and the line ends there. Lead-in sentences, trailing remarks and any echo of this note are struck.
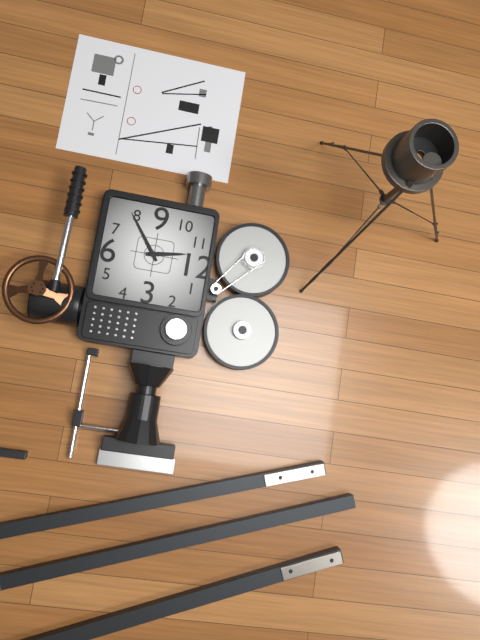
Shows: 11:39
